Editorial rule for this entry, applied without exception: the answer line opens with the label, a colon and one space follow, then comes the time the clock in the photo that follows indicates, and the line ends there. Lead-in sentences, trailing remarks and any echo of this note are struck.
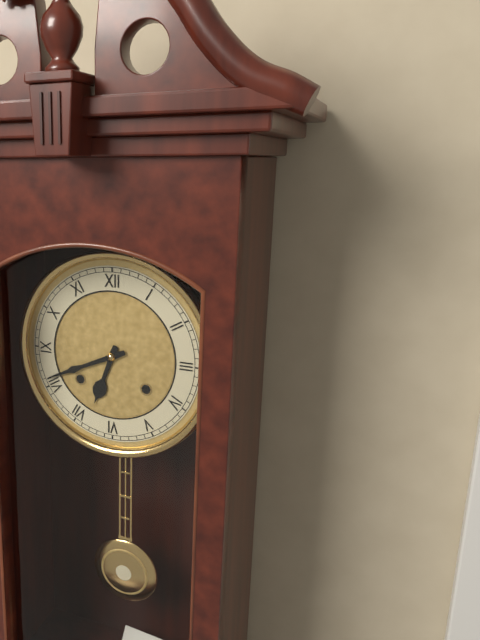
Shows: 6:41
